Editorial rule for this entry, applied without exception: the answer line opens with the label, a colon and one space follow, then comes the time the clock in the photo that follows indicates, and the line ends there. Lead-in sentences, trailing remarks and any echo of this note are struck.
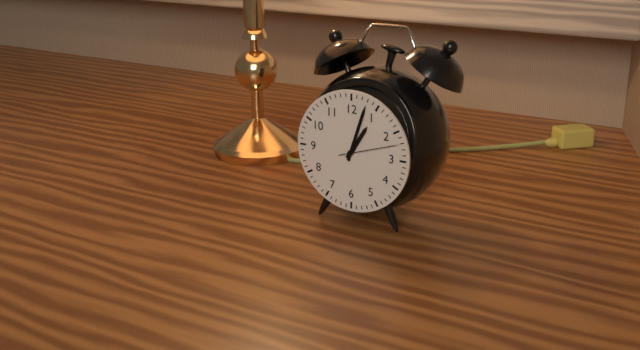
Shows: 1:03:12
